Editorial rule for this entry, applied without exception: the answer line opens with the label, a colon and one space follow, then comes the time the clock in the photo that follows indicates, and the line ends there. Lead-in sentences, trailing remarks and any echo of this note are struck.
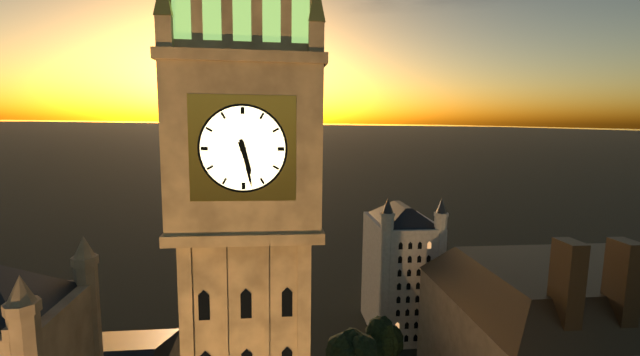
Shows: 5:28
